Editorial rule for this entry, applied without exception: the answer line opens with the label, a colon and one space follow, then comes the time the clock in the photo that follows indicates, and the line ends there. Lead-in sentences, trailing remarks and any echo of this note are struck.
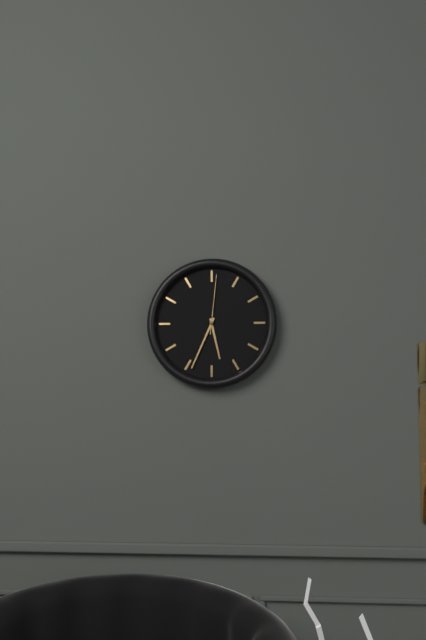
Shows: 5:34:01
